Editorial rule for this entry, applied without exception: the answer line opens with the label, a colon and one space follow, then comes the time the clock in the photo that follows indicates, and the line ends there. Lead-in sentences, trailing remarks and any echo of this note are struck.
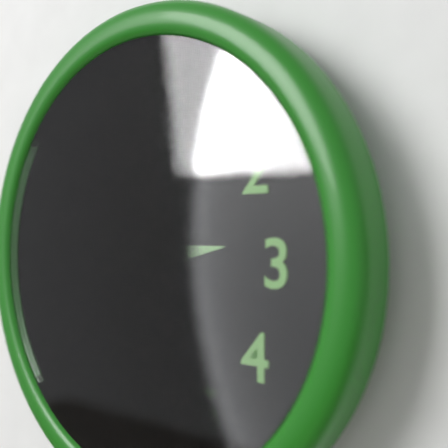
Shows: 2:46:52
